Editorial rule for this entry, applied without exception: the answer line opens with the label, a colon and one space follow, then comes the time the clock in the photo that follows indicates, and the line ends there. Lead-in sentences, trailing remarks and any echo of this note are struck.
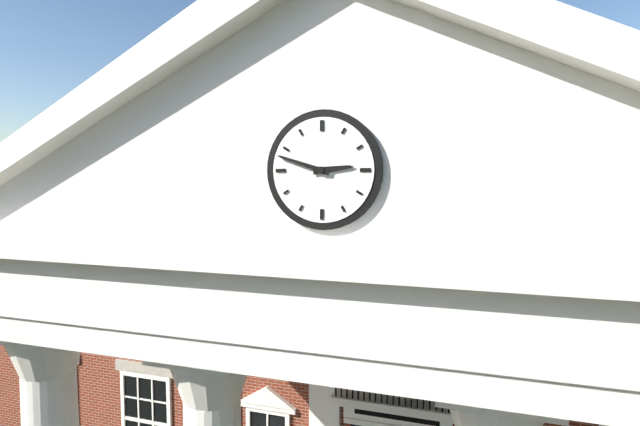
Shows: 2:48
